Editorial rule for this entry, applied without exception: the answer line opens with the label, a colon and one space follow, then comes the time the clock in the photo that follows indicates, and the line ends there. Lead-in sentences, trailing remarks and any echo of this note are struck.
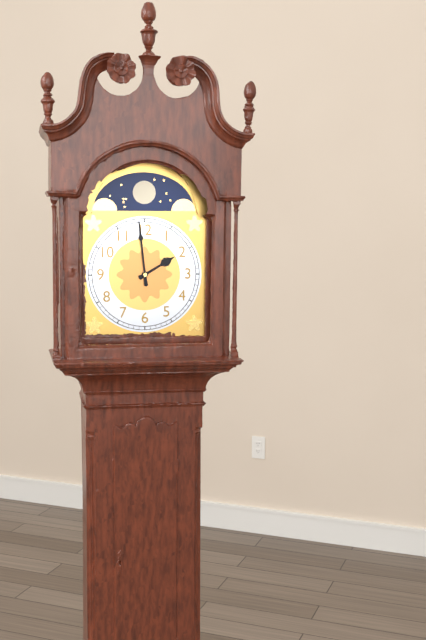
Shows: 1:59
